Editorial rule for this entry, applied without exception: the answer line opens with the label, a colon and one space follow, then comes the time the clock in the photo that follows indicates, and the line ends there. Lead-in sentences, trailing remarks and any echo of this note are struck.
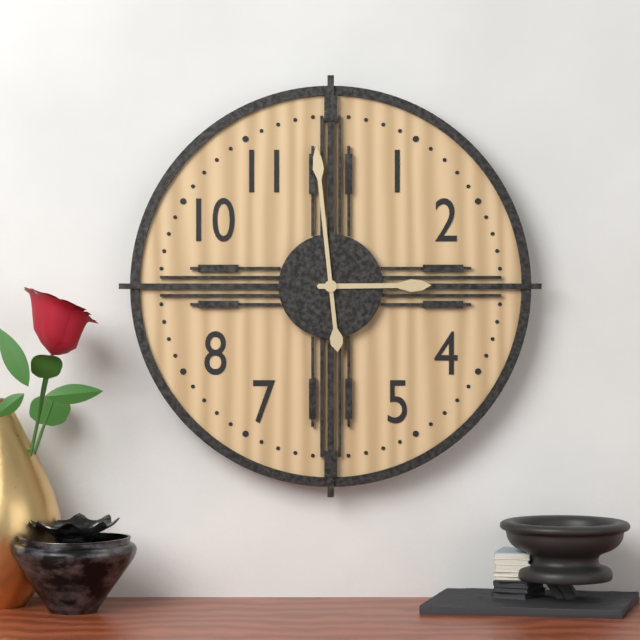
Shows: 2:59
